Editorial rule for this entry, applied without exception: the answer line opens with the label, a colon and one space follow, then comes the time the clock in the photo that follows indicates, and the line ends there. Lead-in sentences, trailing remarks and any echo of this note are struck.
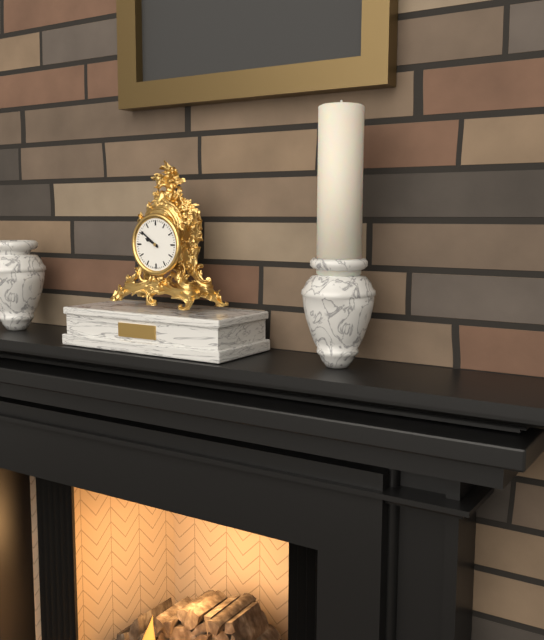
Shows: 9:51
